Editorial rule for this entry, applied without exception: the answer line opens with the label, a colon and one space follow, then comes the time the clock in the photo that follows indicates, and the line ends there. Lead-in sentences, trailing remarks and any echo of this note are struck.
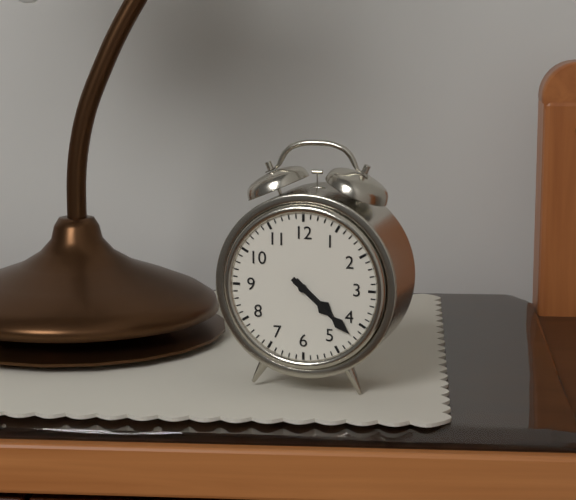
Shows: 4:22
